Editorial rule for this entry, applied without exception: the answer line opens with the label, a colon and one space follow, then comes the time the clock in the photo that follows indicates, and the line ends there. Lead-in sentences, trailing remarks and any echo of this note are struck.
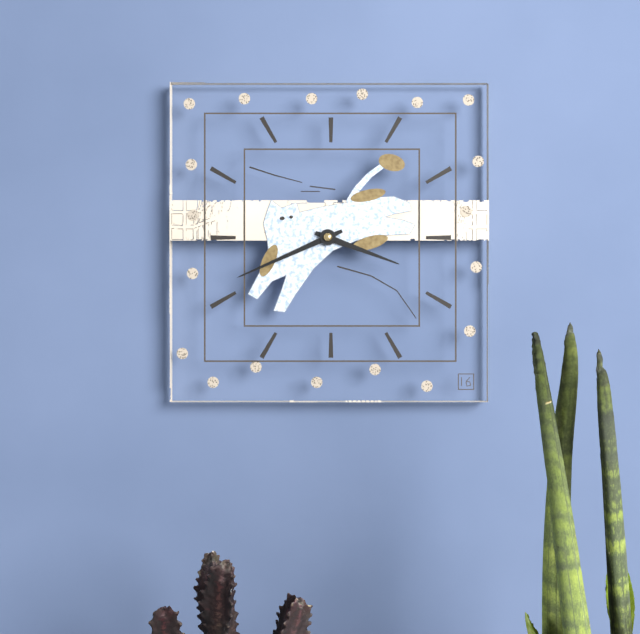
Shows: 3:41
